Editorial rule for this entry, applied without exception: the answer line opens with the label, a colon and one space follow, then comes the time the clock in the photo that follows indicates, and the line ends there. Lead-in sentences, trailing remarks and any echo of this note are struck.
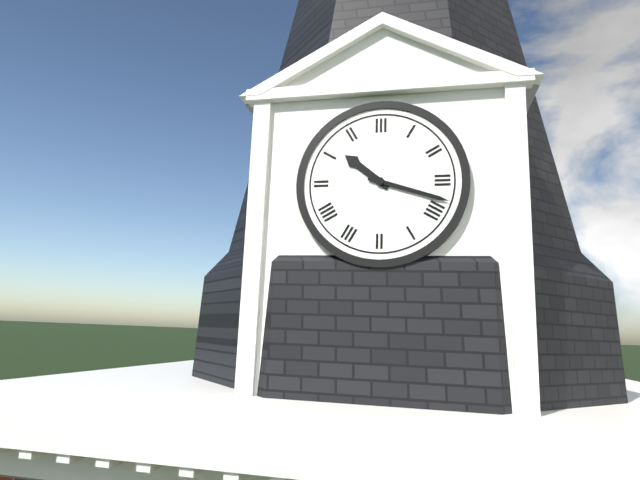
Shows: 10:18
